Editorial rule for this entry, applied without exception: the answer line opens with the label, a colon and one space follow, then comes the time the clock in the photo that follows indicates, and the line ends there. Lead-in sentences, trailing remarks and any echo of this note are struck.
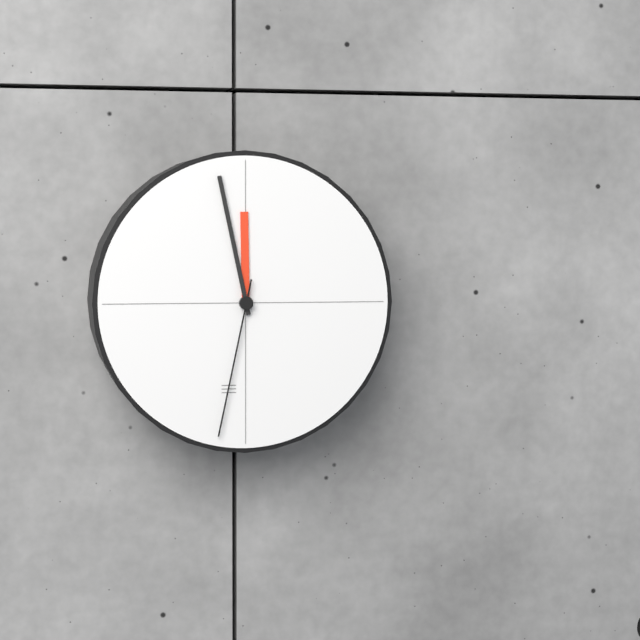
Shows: 11:58:32
